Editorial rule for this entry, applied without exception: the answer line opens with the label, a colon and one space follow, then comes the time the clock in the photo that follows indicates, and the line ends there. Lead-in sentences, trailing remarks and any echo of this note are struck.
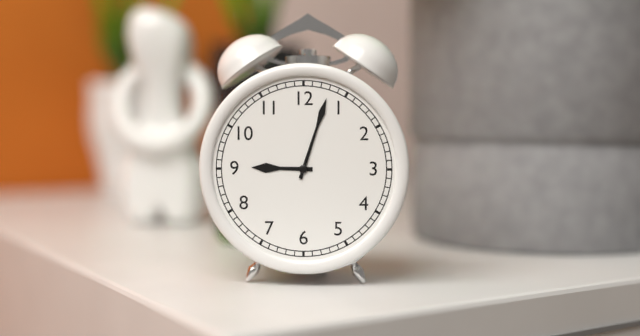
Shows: 9:03
